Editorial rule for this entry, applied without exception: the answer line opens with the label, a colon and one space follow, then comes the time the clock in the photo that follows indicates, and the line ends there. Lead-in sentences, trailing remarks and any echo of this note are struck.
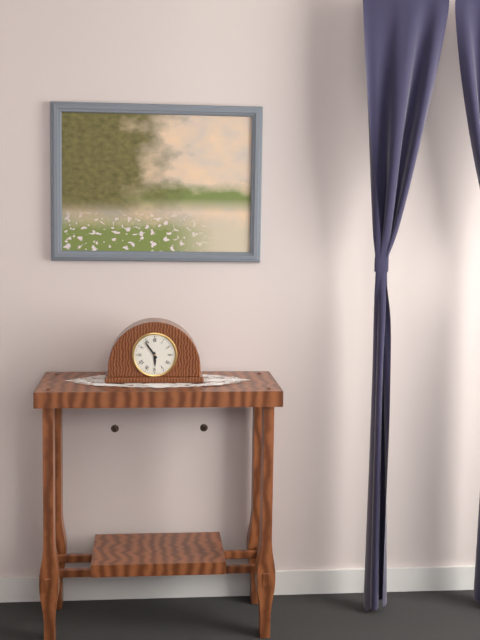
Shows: 5:54
